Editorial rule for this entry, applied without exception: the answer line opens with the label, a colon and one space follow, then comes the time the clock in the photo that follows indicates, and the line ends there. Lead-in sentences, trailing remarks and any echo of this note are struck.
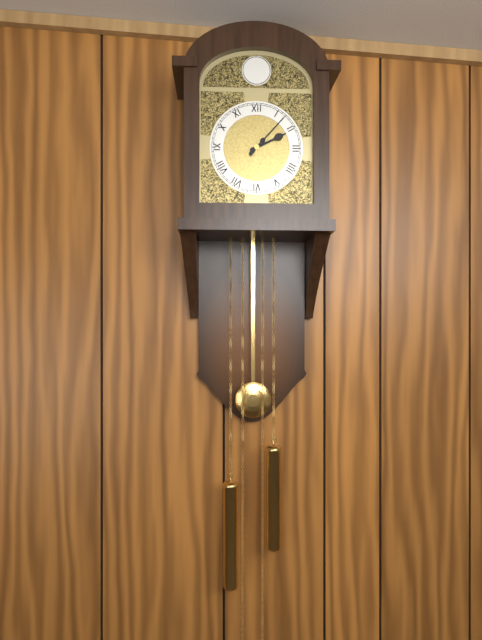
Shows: 2:07
